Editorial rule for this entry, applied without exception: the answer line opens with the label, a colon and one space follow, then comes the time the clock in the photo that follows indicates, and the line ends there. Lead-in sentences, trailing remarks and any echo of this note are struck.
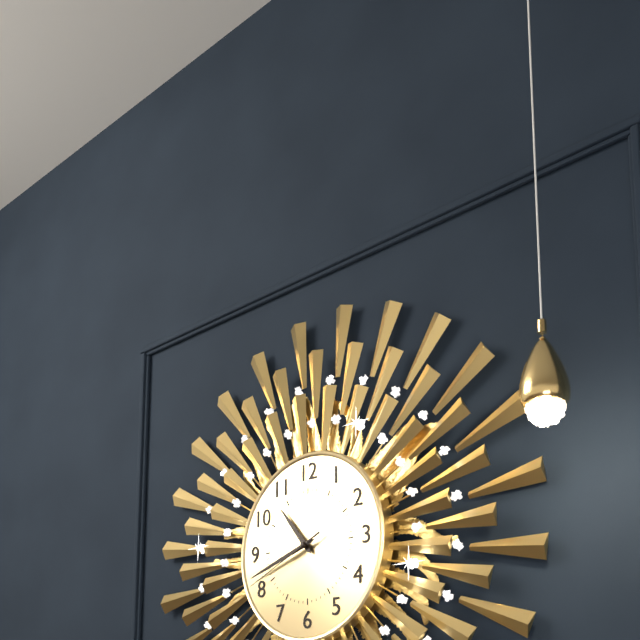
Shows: 10:42:41
